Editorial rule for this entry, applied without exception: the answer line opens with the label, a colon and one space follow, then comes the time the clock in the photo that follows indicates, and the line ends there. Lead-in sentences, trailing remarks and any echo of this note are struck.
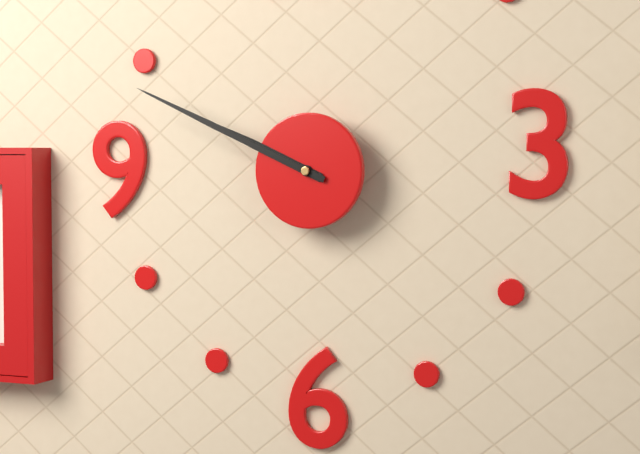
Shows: 9:49
